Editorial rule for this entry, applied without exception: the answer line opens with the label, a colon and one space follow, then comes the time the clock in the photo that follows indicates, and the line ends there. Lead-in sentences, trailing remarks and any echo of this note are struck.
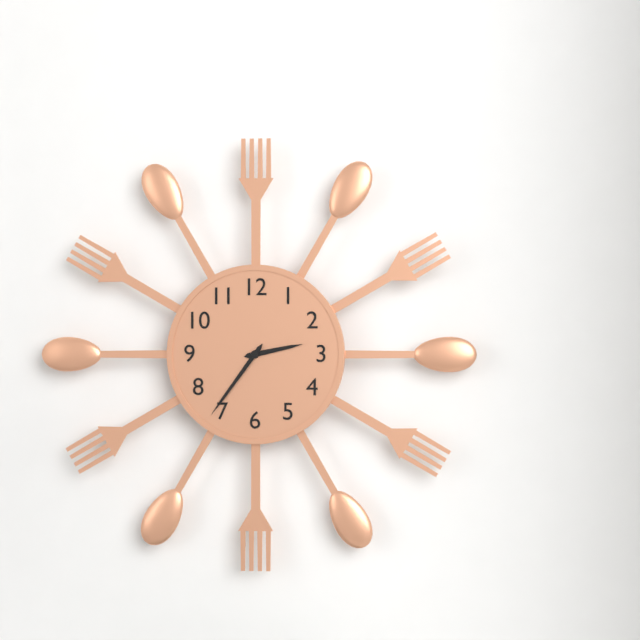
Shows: 2:36
